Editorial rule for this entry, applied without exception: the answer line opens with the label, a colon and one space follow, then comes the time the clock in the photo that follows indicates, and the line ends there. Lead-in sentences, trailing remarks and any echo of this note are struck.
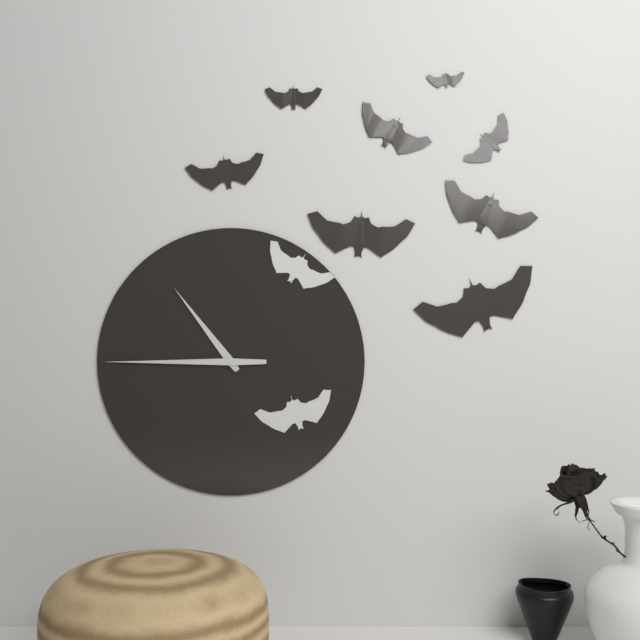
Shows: 10:45
